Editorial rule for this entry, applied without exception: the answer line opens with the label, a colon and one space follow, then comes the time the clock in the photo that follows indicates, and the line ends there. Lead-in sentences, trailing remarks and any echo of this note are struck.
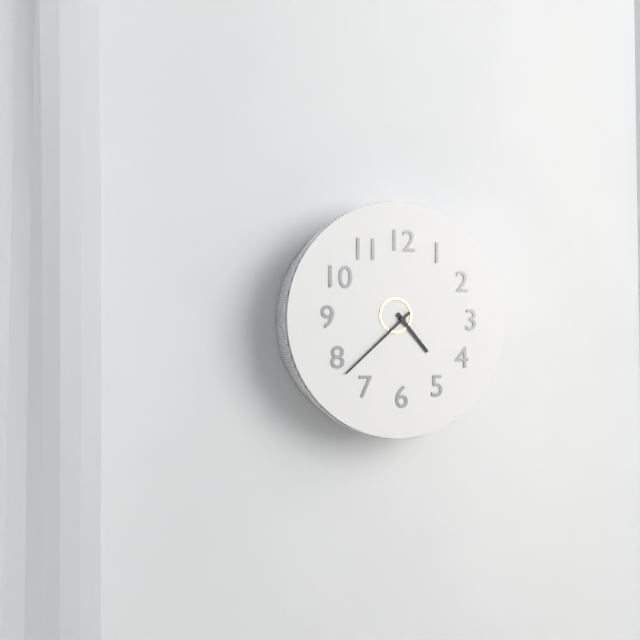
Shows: 4:38
